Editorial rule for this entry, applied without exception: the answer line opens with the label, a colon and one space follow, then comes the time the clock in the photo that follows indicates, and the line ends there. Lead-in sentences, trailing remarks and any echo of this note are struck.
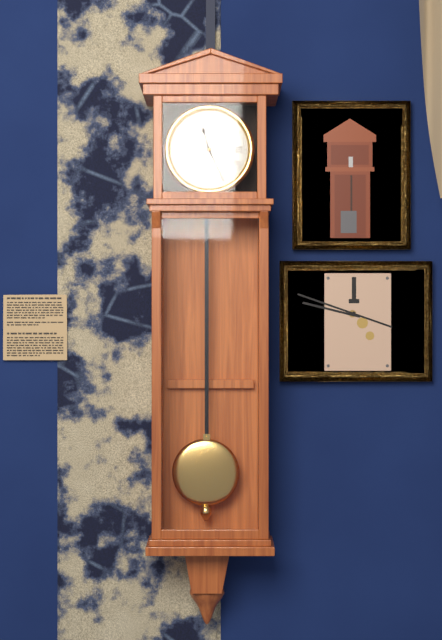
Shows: 11:26
